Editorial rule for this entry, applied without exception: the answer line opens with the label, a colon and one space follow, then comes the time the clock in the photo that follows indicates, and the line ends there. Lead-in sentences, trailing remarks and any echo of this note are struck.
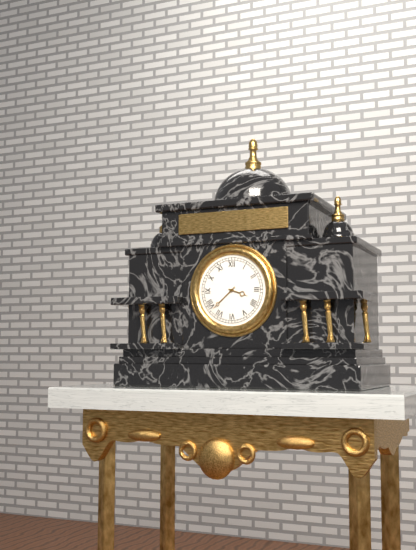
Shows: 3:38
